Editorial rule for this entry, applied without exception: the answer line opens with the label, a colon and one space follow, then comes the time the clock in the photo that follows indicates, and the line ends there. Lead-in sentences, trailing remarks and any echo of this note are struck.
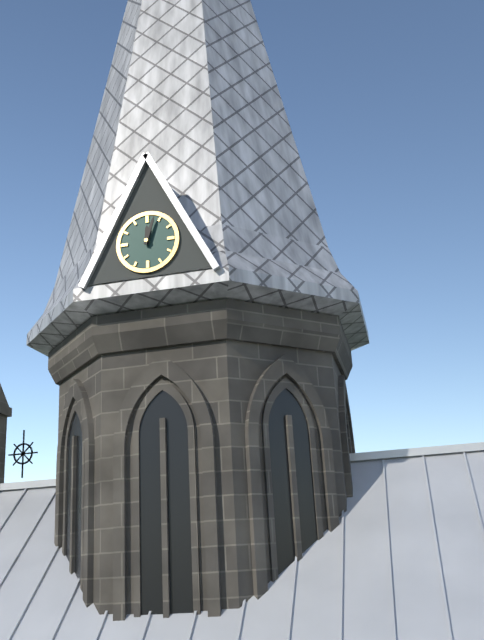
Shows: 12:03
